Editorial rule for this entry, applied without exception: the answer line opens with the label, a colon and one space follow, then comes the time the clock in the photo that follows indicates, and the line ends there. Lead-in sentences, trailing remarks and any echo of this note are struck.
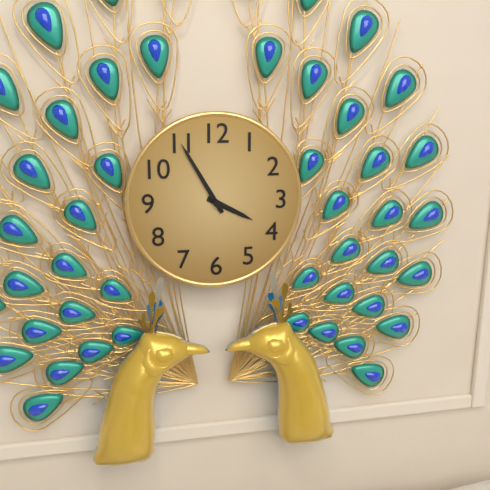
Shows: 3:55
